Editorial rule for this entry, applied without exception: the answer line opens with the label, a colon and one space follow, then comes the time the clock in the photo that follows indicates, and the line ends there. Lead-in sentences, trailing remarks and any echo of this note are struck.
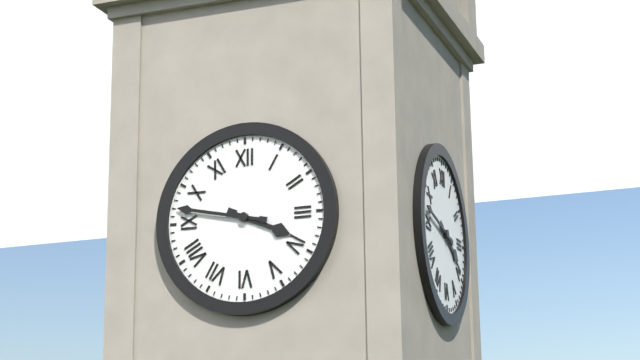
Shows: 3:47
